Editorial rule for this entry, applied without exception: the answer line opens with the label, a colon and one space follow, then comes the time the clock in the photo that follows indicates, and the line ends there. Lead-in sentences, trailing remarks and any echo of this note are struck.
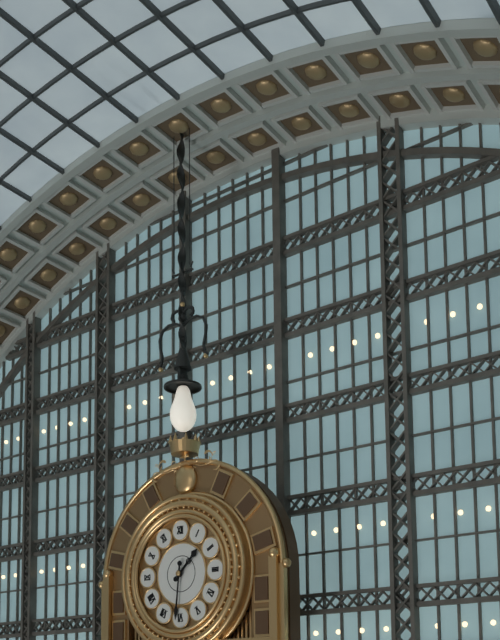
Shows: 1:31
